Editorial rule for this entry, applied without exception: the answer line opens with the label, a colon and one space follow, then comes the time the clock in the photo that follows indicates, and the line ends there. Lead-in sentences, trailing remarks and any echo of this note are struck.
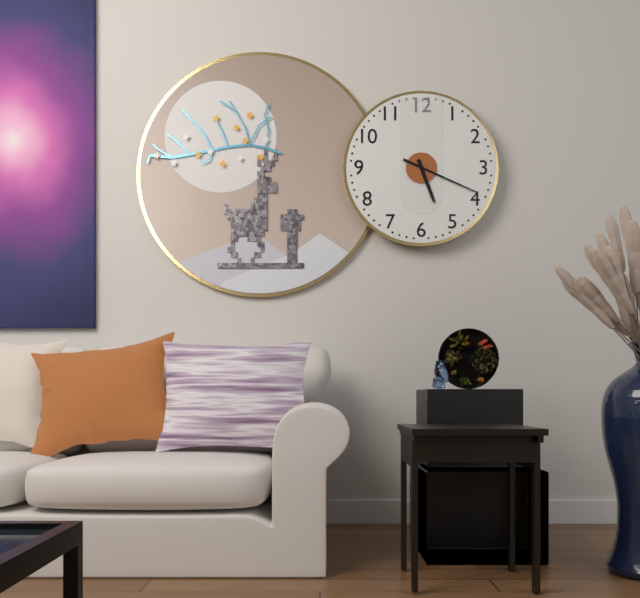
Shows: 5:19
